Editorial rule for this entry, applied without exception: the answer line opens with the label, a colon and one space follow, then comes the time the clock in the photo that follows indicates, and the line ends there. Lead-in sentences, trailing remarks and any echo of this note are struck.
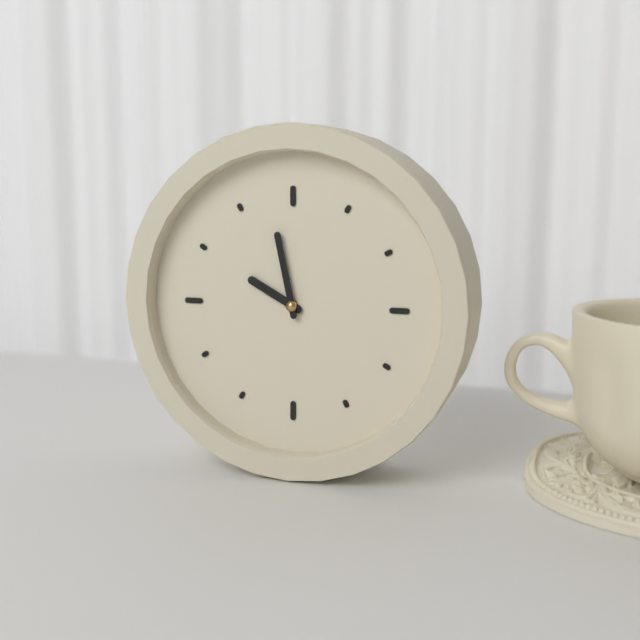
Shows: 9:58
